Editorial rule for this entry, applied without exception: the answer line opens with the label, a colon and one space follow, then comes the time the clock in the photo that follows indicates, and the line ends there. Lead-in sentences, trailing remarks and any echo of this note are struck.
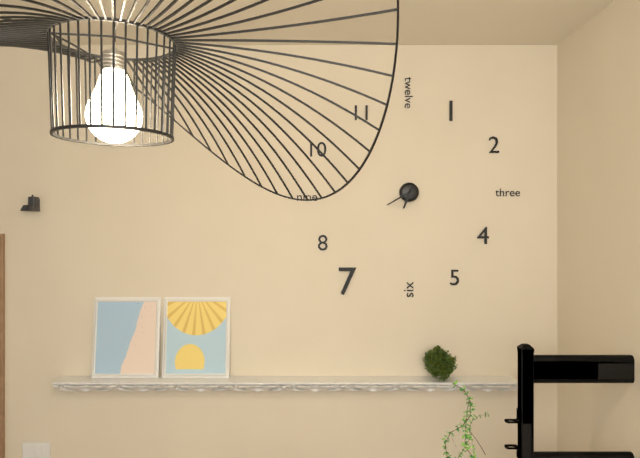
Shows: 6:40
